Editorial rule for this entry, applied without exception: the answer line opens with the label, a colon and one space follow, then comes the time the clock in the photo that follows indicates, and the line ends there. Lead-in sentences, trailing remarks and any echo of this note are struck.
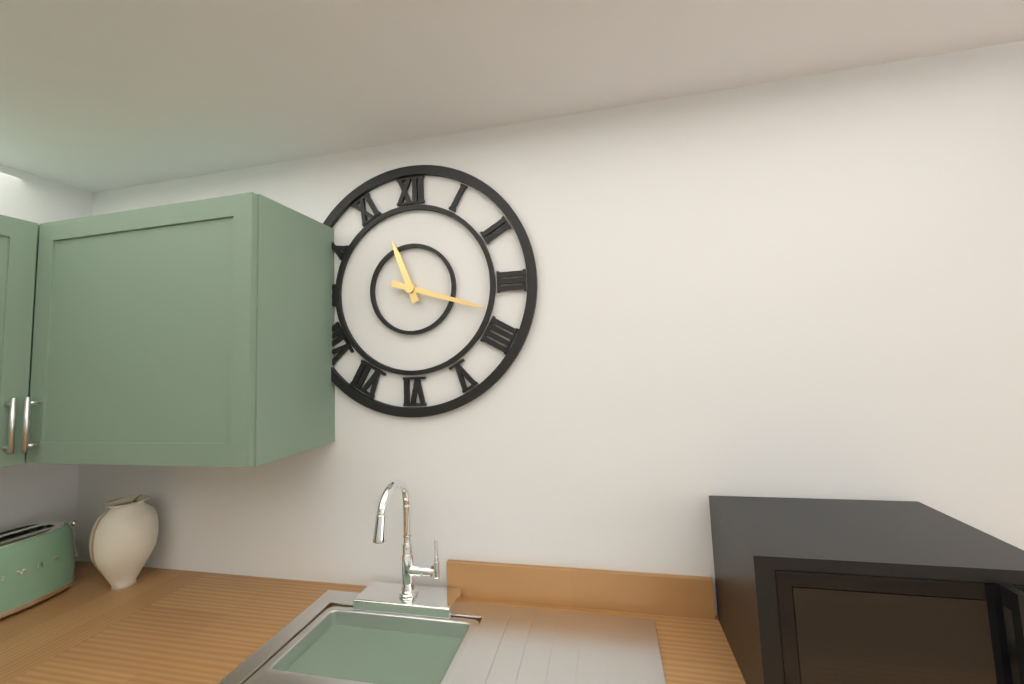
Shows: 11:18
